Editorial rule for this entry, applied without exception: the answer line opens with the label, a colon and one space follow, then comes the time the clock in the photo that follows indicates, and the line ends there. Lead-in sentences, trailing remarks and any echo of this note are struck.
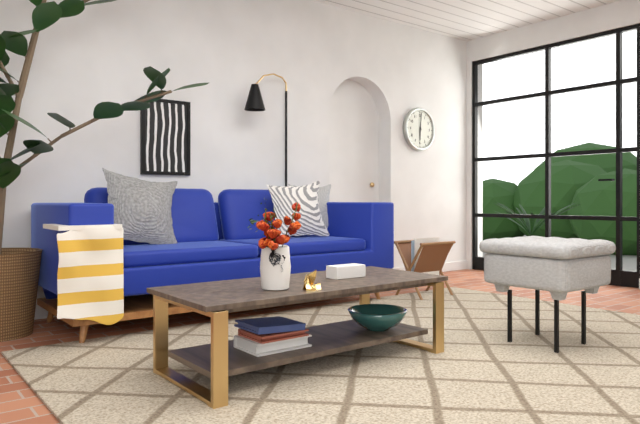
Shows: 6:01
